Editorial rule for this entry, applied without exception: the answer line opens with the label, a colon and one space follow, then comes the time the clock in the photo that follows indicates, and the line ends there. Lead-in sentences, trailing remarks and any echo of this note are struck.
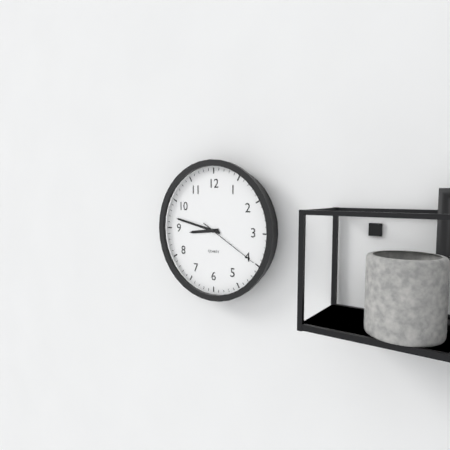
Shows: 8:47:20
